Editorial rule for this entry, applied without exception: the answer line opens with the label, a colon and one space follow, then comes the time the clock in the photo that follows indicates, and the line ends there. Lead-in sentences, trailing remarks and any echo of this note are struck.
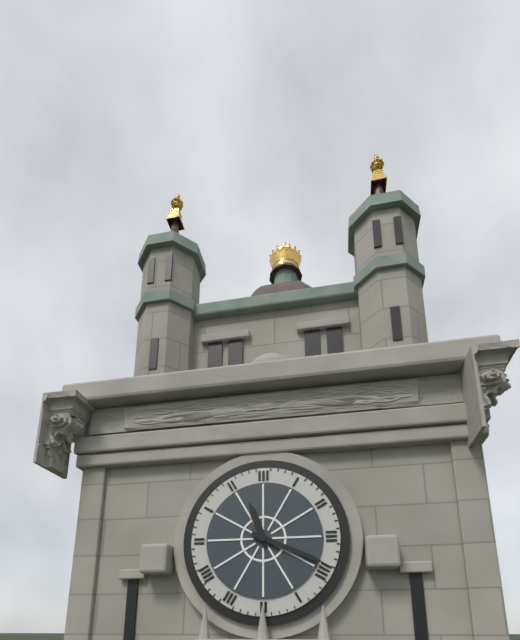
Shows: 11:19
